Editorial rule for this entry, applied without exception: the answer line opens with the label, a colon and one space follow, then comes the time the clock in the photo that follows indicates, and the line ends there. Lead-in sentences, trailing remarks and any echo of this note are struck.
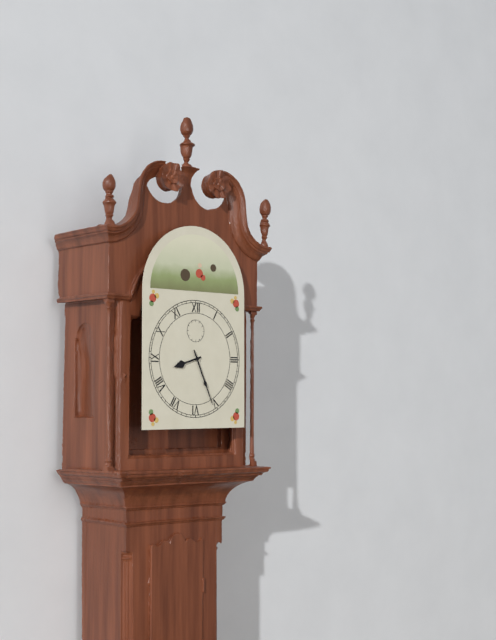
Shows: 8:26
